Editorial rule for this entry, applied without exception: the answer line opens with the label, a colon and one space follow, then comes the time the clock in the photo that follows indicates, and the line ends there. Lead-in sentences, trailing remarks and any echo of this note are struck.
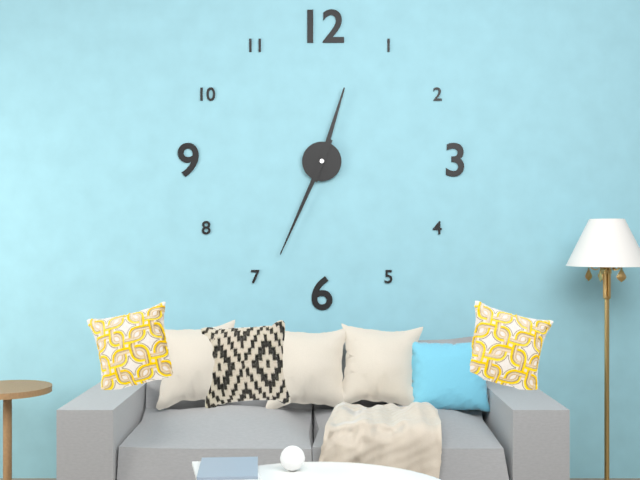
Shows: 12:34
